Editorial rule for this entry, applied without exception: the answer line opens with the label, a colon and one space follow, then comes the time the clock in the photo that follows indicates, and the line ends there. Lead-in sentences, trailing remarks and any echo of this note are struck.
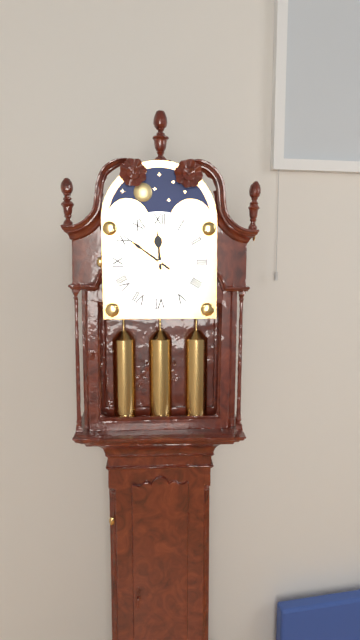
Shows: 11:51
